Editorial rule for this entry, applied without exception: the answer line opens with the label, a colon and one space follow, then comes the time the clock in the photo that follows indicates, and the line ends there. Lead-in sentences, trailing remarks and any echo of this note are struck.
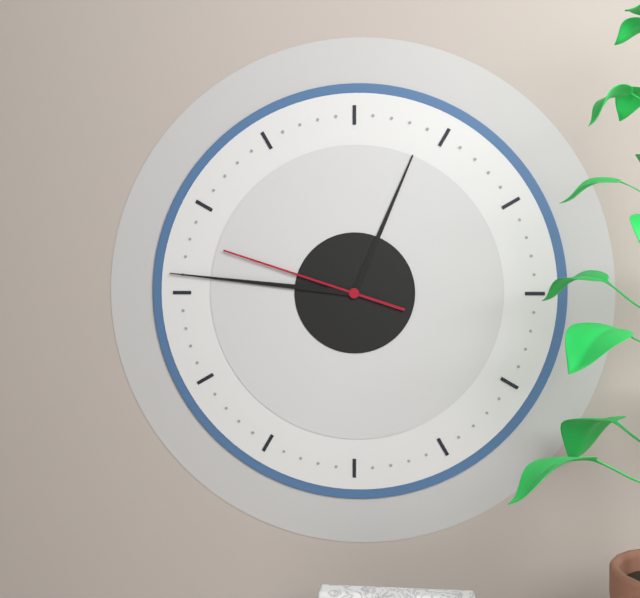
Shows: 12:46:48
